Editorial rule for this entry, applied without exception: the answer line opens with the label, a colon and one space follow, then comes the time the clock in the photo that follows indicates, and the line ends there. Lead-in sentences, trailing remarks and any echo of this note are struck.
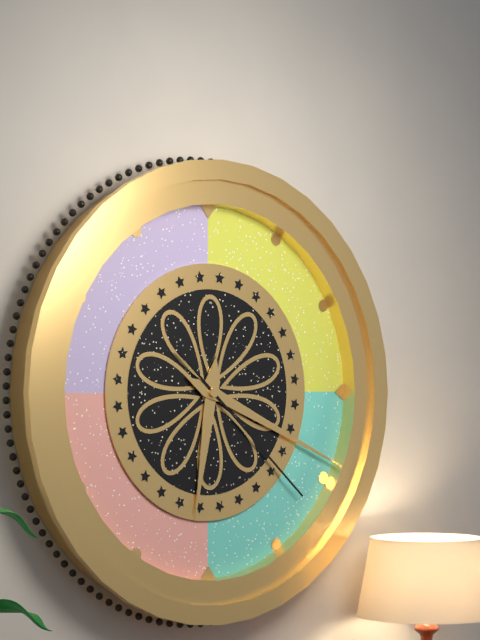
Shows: 6:19:22
